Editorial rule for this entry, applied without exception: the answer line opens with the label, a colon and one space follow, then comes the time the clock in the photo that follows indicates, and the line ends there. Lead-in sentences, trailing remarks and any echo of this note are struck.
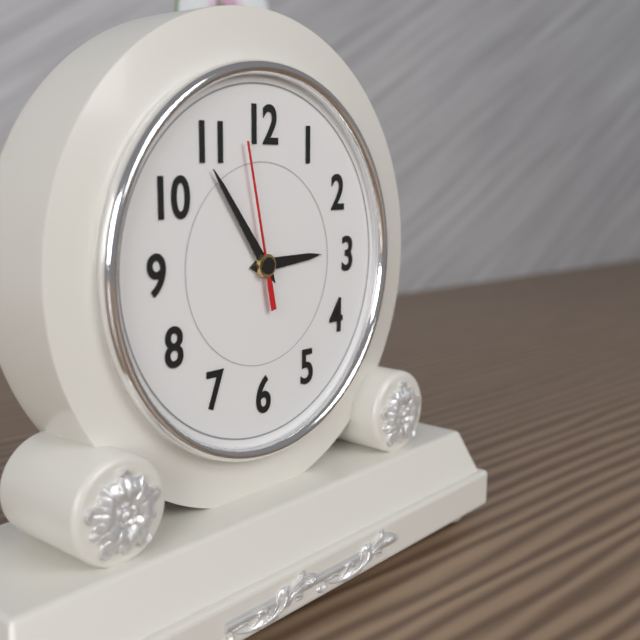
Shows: 2:54:58
